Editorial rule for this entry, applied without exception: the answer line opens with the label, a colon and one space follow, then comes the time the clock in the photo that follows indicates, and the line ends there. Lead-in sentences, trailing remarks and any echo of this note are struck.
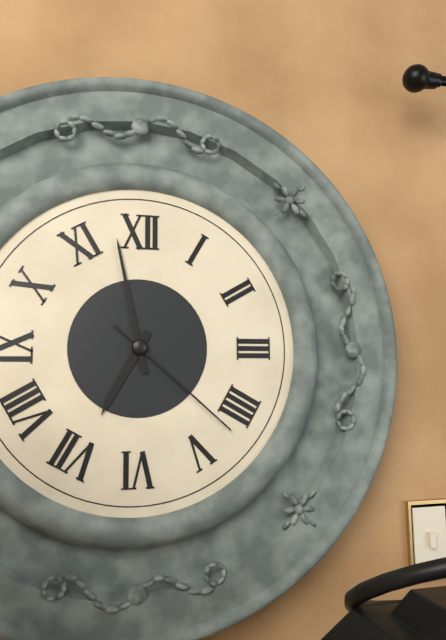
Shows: 6:58:22
